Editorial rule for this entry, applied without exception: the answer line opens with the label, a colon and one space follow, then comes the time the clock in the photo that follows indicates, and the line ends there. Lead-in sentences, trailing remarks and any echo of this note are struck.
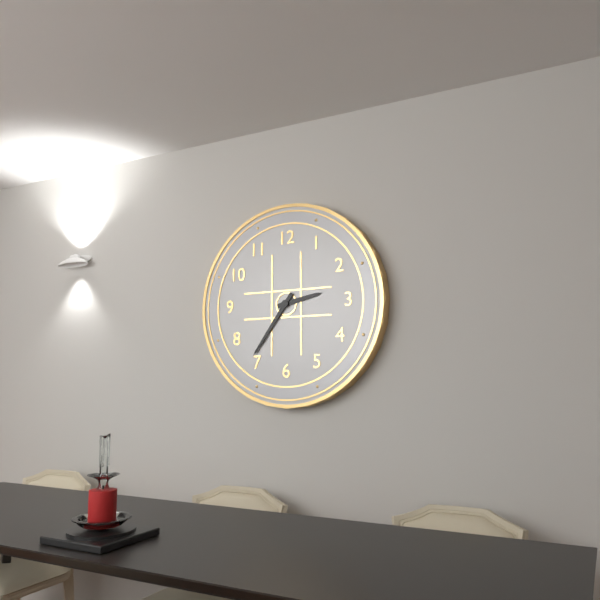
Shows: 2:36
